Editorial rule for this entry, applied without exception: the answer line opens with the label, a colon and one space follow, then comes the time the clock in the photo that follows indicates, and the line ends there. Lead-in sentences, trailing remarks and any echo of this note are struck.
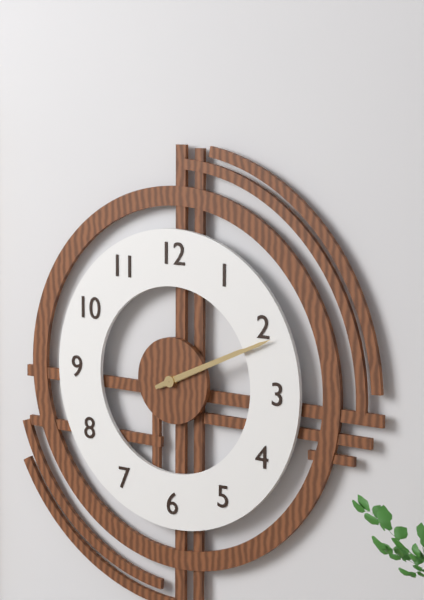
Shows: 2:11
